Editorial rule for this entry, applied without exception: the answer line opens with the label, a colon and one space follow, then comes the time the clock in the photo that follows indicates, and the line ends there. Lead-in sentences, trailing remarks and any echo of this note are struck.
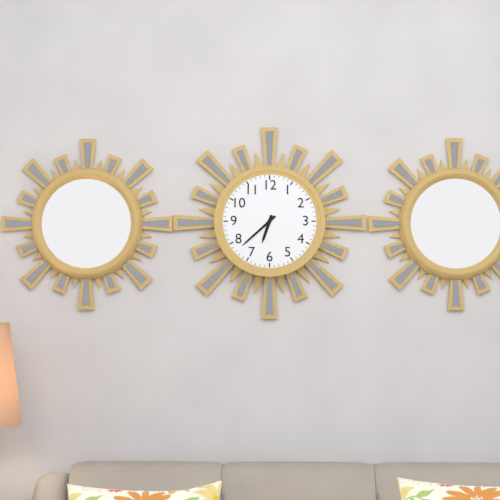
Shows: 6:38
